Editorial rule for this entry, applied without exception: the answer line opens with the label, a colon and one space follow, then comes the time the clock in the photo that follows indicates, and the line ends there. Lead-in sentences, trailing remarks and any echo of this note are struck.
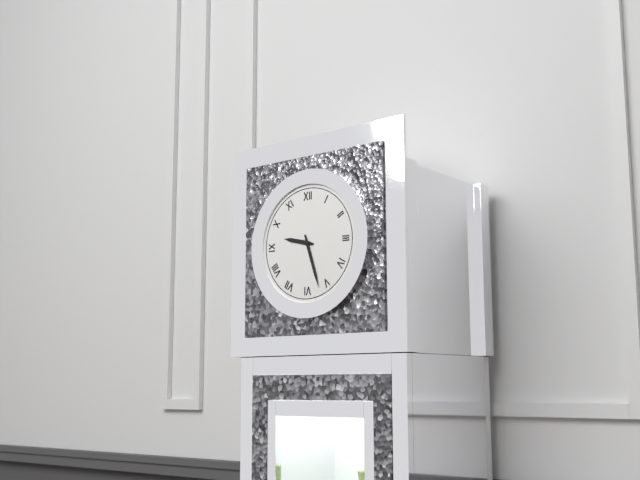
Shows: 9:27
